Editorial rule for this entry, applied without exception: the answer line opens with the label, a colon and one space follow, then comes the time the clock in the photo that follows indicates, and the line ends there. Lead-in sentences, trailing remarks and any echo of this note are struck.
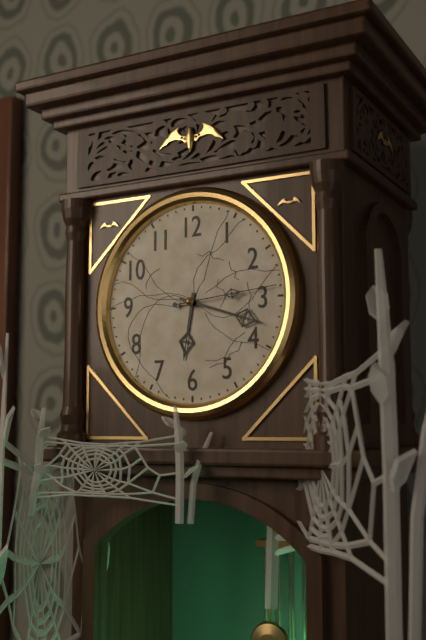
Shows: 6:18:14
